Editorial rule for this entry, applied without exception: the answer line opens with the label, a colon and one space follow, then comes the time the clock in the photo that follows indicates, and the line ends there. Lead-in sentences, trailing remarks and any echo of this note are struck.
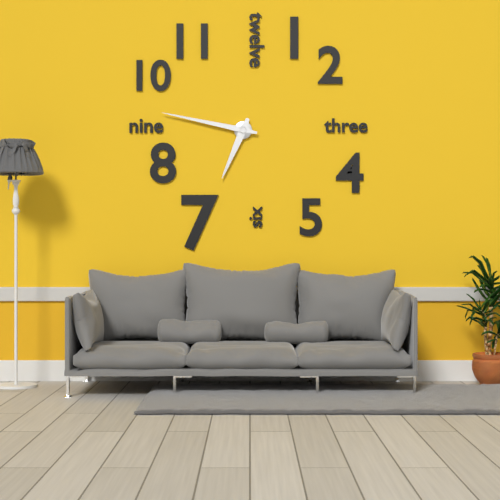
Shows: 6:47
